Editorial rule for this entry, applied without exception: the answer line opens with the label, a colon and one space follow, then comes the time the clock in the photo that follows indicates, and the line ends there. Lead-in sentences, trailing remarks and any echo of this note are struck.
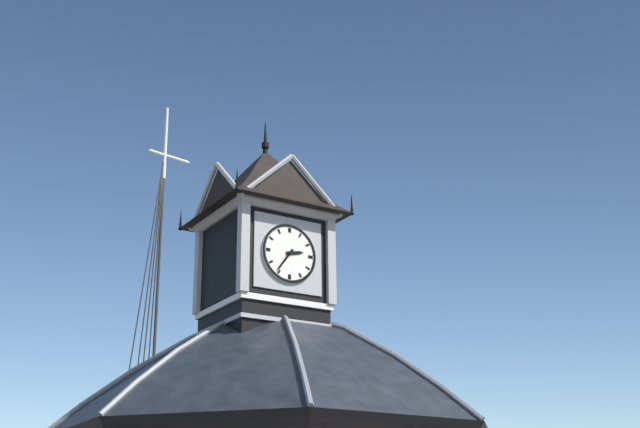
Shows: 2:36
